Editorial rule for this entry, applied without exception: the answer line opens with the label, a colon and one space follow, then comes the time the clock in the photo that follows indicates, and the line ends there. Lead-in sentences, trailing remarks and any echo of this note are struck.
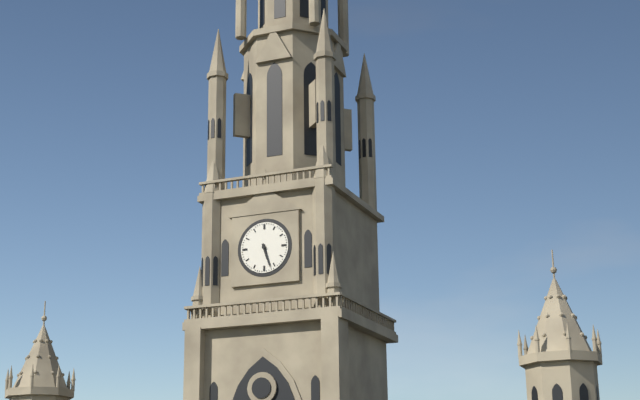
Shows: 5:27
